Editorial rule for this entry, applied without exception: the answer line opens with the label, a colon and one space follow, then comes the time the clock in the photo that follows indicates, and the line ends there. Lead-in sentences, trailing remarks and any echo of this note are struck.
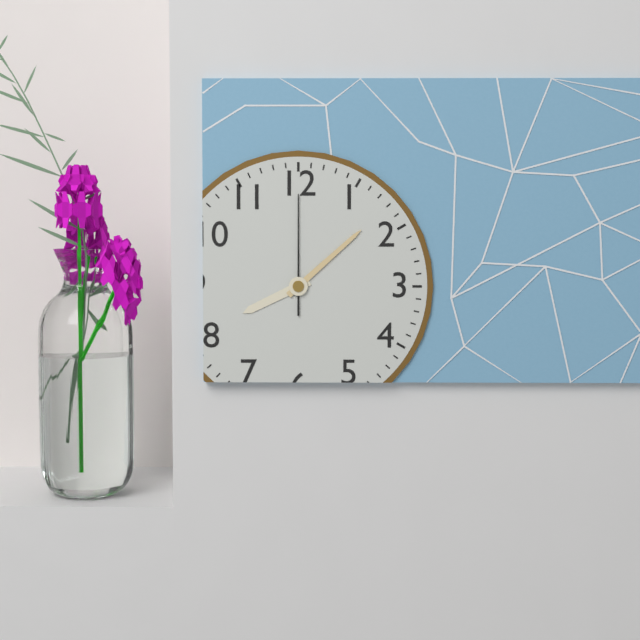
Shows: 8:08:00
